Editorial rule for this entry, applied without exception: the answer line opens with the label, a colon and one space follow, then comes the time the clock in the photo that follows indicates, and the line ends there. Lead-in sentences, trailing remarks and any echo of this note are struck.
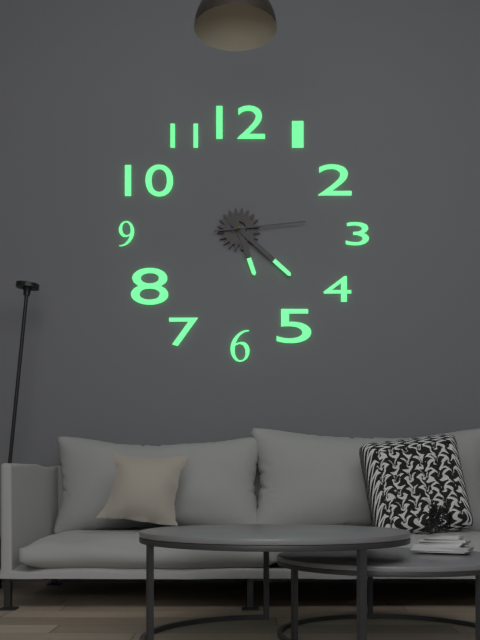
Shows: 5:22:14
